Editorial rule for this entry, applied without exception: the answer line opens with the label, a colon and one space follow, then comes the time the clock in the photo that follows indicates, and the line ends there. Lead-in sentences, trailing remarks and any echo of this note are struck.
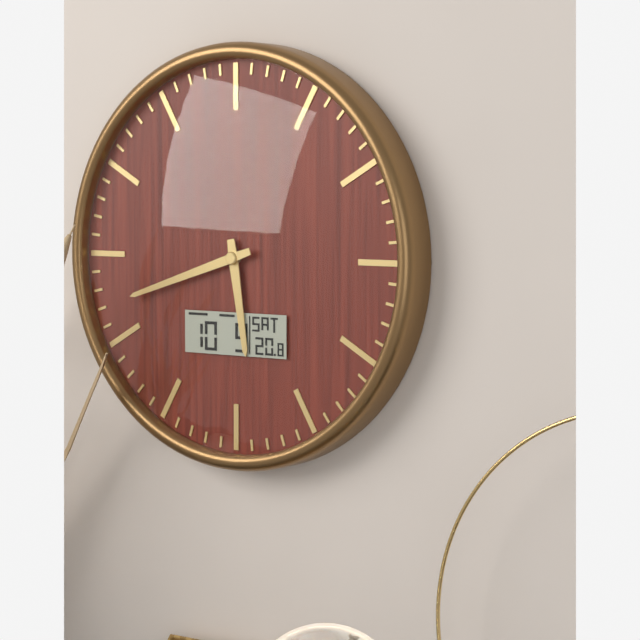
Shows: 5:42
